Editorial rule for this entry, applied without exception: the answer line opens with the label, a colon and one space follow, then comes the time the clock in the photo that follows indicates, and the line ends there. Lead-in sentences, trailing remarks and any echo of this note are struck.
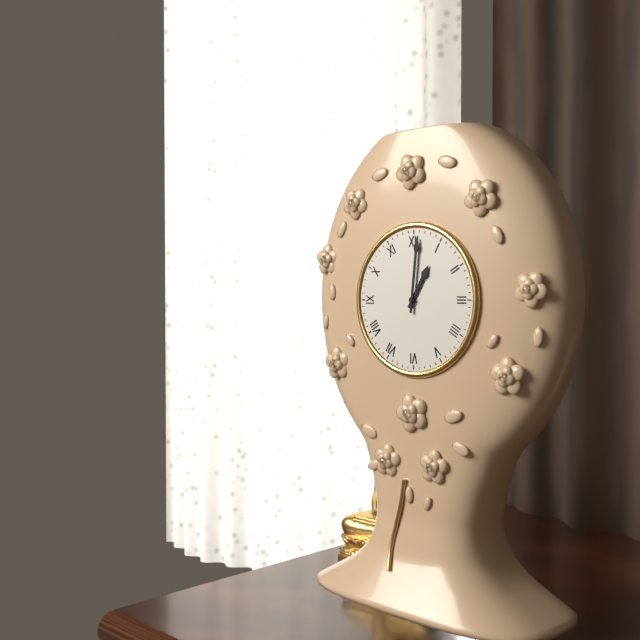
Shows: 1:01
